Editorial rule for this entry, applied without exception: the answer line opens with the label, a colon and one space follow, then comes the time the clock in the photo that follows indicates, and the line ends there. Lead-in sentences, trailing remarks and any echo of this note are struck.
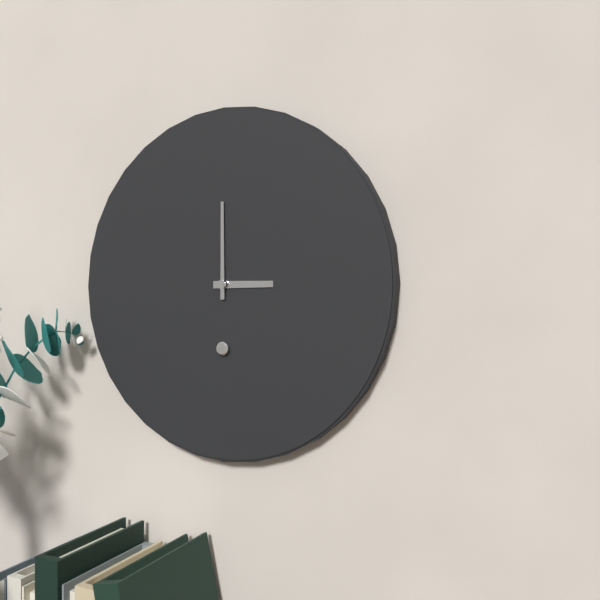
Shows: 3:00
